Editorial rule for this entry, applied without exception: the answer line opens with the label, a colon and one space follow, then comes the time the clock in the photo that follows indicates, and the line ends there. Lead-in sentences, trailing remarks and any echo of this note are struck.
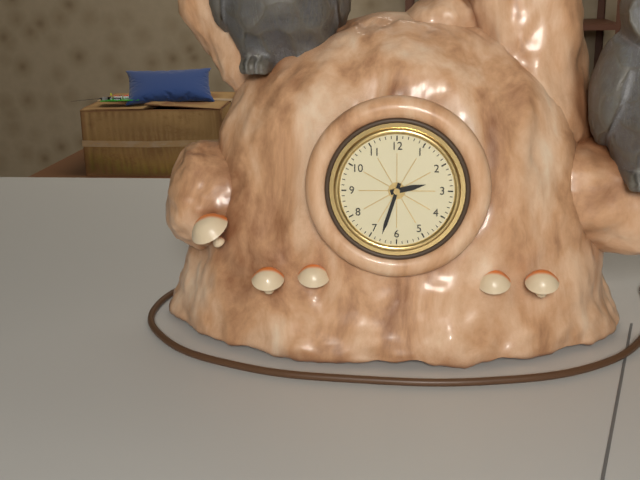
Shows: 2:33
